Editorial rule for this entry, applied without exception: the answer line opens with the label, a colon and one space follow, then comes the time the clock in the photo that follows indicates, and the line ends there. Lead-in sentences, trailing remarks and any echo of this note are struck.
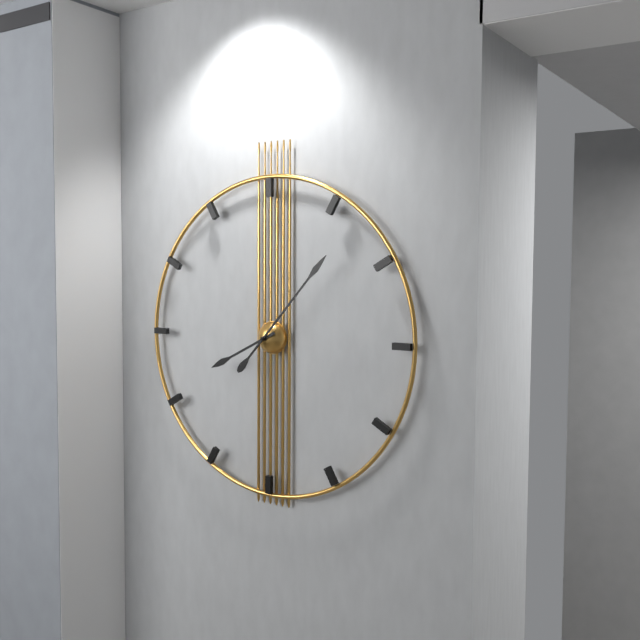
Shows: 8:07
